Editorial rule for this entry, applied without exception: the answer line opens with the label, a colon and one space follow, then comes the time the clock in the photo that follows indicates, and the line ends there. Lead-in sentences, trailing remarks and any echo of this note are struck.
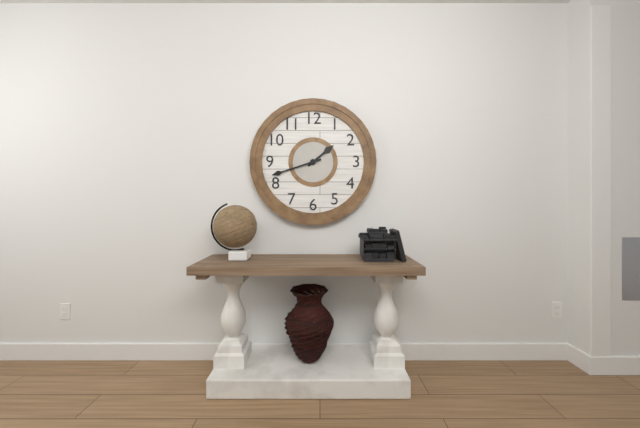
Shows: 1:42
